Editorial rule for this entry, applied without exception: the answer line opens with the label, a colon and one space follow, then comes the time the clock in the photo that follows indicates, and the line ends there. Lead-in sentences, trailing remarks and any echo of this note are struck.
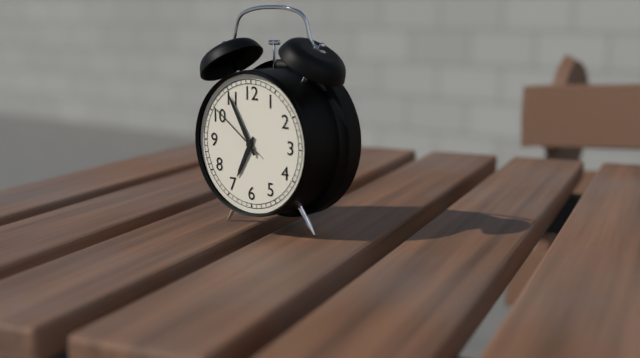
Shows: 6:55:51
